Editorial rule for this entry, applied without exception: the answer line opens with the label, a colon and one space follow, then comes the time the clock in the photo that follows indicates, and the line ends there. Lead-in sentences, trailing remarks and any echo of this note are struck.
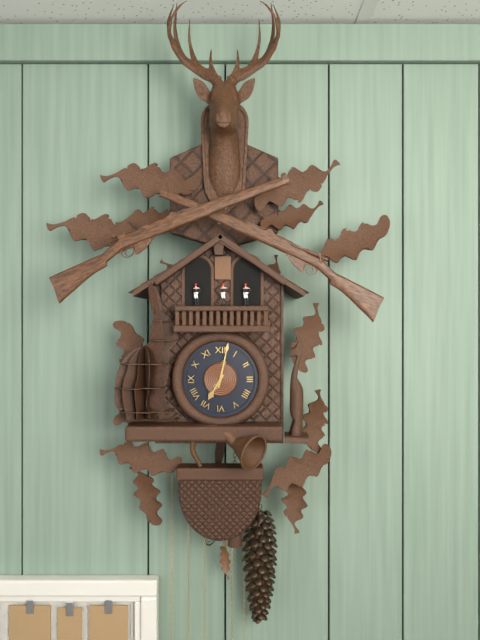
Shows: 7:02
